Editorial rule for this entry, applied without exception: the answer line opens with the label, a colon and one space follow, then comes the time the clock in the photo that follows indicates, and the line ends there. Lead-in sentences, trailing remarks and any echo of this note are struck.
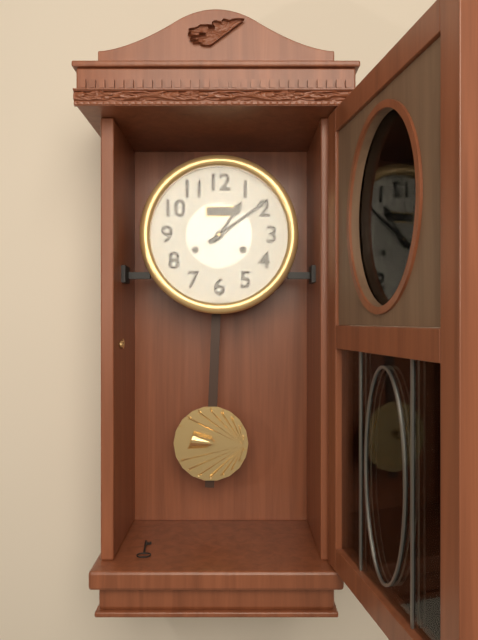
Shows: 1:09
